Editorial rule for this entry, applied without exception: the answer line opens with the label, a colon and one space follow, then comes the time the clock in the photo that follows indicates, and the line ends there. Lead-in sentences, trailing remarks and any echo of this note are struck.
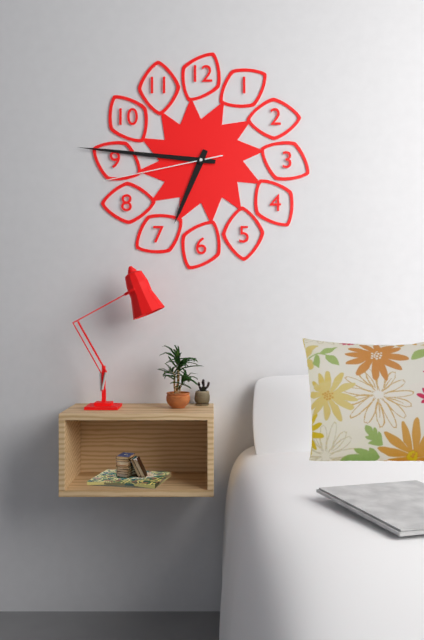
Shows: 6:46:43
